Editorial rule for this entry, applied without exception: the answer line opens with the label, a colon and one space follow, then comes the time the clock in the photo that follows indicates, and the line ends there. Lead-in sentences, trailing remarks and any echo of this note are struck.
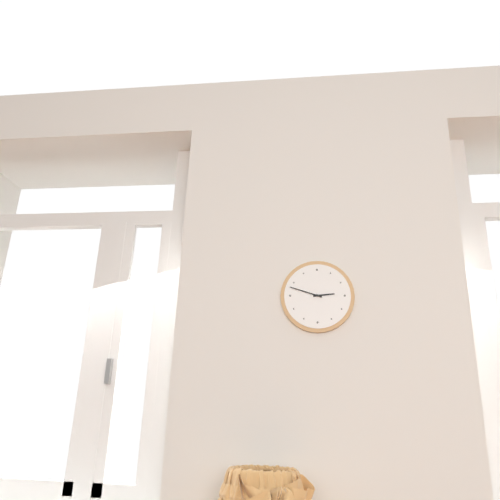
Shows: 2:48
